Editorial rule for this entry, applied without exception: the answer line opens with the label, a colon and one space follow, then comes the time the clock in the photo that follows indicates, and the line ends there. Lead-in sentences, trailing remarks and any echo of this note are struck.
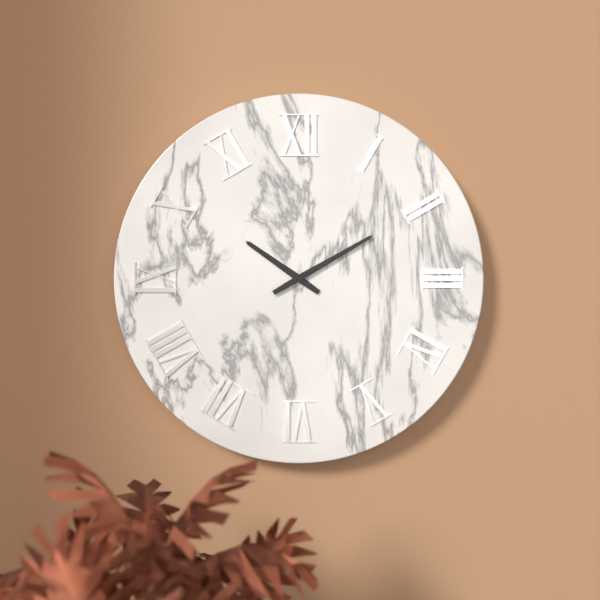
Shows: 10:10
